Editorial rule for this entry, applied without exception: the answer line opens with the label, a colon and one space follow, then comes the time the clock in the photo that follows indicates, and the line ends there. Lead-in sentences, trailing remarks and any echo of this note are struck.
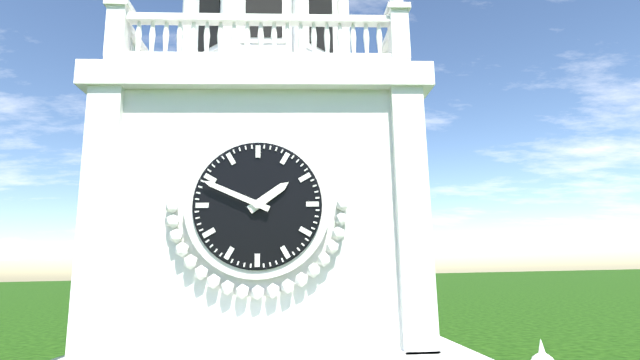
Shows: 1:49
